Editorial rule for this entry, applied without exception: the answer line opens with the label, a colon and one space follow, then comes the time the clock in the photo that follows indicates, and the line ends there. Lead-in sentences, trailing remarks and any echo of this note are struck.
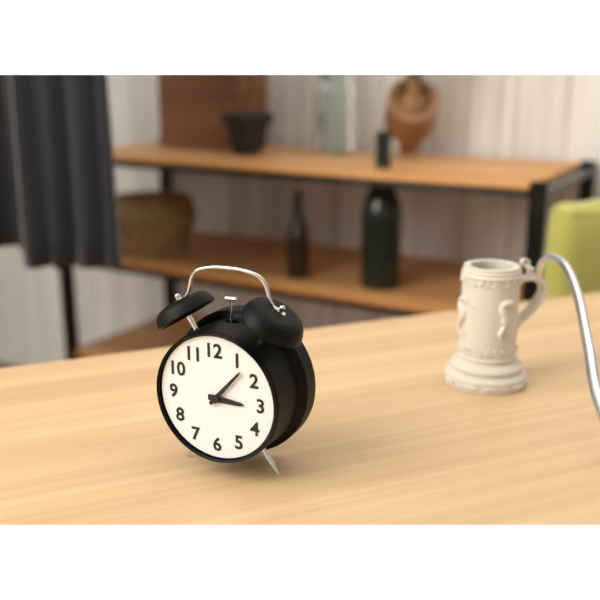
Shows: 3:07
